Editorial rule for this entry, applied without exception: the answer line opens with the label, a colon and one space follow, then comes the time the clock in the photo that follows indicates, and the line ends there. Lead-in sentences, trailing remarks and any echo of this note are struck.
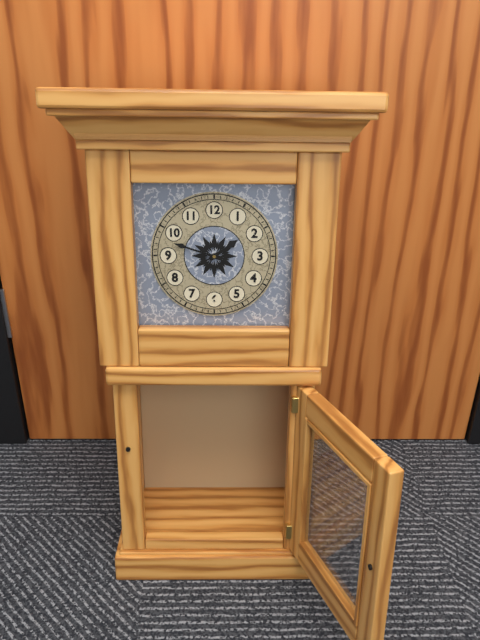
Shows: 1:48
